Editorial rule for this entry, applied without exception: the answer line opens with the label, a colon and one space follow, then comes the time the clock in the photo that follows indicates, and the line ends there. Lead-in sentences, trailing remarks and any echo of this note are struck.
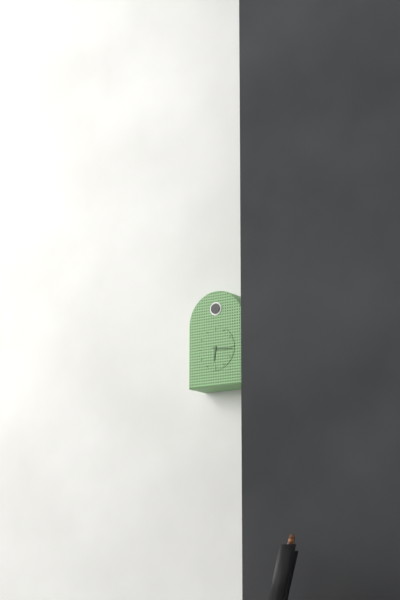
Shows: 6:16
